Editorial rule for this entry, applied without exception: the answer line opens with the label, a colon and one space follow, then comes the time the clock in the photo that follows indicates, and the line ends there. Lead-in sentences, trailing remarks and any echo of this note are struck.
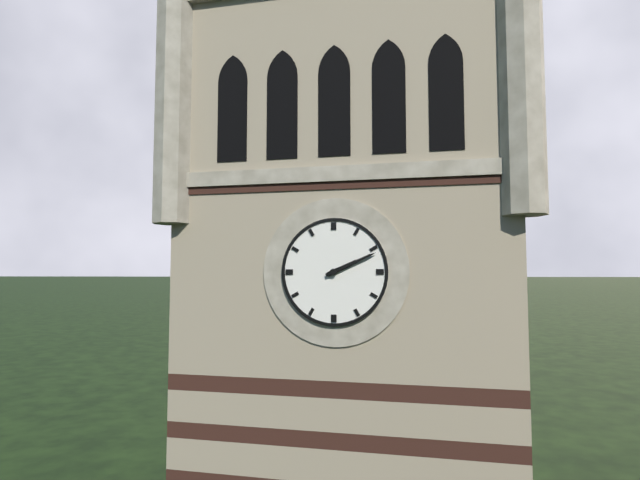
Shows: 2:11
